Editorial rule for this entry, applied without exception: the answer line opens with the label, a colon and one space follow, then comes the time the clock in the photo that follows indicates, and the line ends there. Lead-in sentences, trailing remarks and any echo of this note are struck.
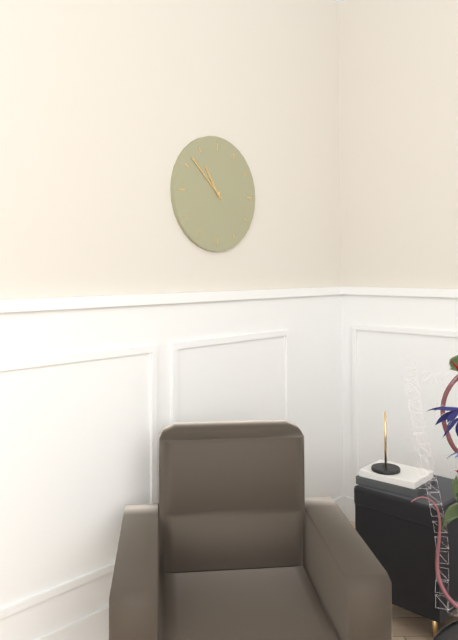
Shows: 10:52
